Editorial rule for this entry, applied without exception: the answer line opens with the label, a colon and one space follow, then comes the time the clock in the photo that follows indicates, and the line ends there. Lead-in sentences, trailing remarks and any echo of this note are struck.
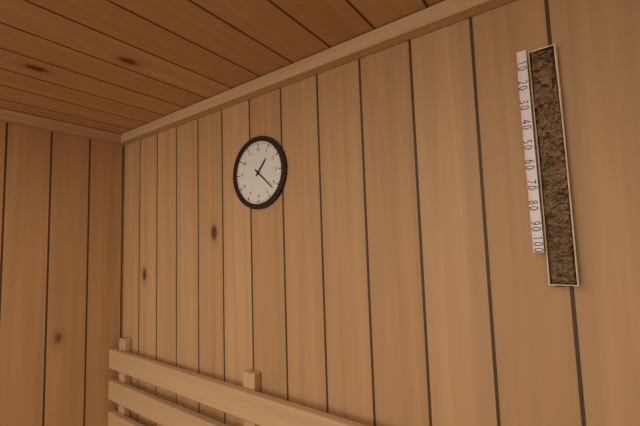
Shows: 1:22
